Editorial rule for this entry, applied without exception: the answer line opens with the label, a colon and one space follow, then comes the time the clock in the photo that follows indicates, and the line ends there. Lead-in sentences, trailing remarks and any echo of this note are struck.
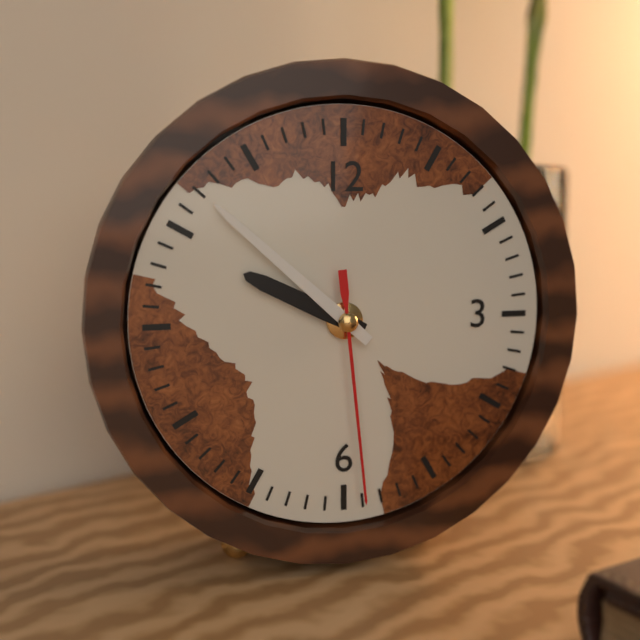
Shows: 9:52:29
